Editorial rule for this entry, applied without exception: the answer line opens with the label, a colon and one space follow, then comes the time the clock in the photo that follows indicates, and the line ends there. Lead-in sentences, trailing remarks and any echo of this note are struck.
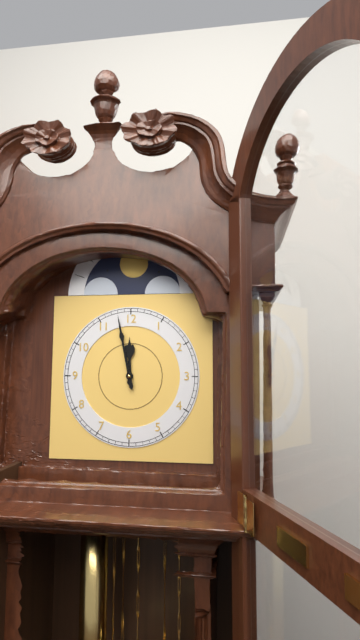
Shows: 11:58
